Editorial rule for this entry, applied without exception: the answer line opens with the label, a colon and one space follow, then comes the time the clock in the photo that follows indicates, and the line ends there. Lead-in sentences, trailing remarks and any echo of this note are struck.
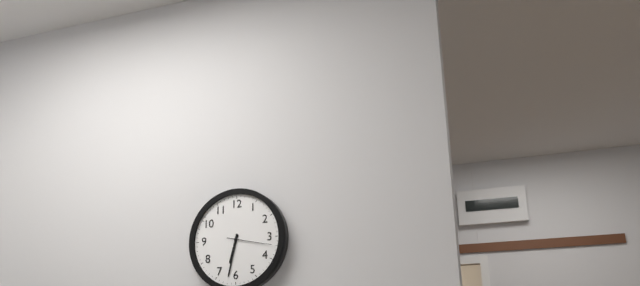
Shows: 6:32
